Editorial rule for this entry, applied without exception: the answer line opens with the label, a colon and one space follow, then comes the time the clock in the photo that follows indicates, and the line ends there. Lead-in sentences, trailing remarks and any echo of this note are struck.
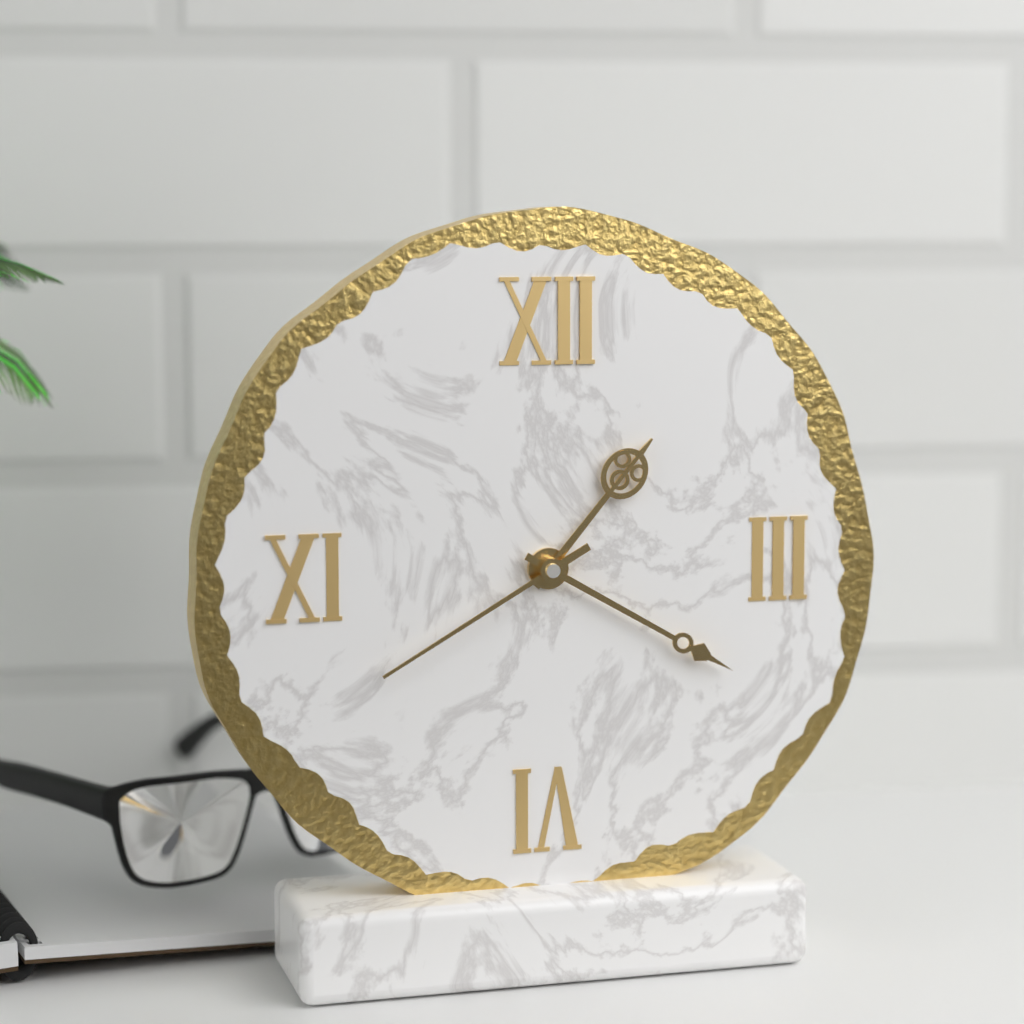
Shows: 1:20:40
